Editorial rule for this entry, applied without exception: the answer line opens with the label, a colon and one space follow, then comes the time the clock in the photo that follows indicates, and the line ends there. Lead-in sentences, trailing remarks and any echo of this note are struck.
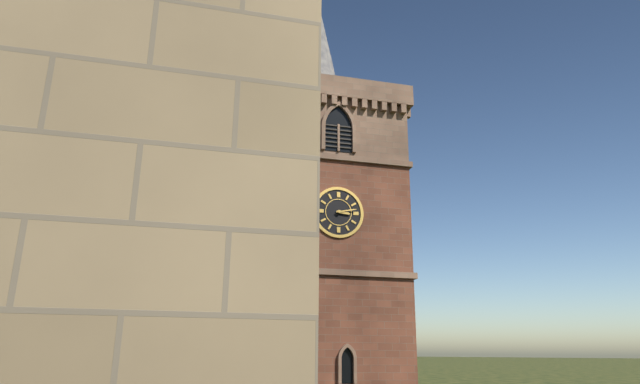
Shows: 3:13
